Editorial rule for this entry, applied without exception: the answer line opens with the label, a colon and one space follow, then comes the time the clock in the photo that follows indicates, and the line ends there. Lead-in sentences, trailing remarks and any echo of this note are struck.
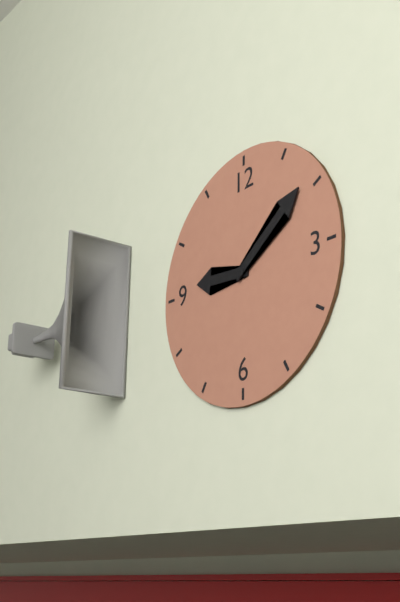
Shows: 9:09
